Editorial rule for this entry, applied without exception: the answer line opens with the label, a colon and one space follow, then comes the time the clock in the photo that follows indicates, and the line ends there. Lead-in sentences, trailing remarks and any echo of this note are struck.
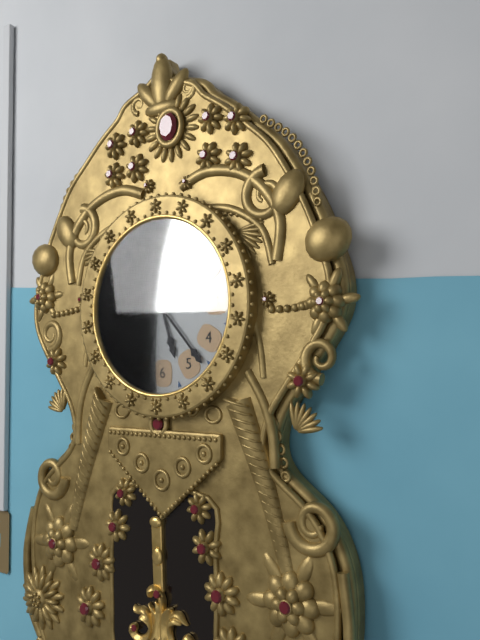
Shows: 5:23
